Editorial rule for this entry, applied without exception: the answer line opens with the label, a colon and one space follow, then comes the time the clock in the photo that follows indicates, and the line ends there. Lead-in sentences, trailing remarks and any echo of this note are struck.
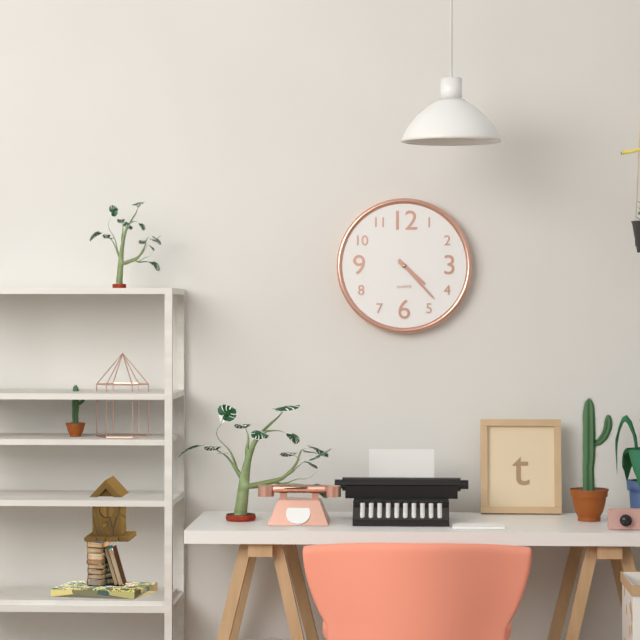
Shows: 4:23
